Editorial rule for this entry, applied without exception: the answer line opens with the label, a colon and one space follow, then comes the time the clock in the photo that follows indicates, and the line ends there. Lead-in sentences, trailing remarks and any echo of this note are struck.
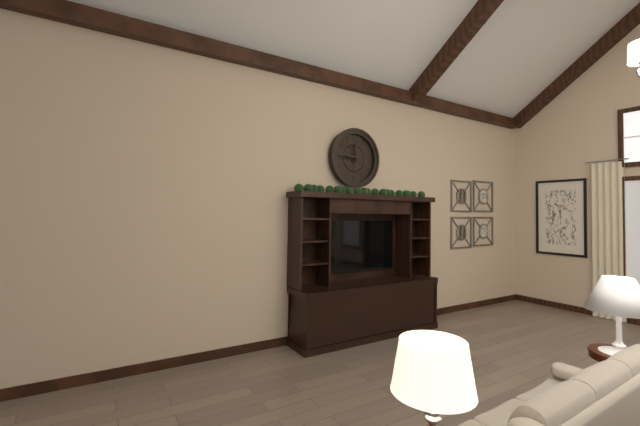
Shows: 11:46
